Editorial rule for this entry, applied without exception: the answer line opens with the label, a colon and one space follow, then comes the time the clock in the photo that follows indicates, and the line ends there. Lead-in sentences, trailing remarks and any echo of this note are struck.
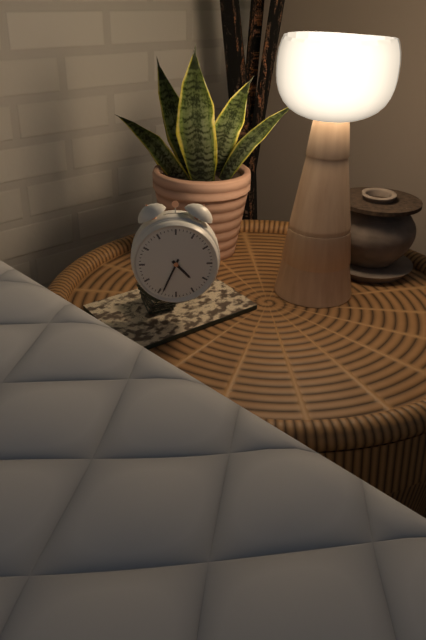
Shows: 4:34
